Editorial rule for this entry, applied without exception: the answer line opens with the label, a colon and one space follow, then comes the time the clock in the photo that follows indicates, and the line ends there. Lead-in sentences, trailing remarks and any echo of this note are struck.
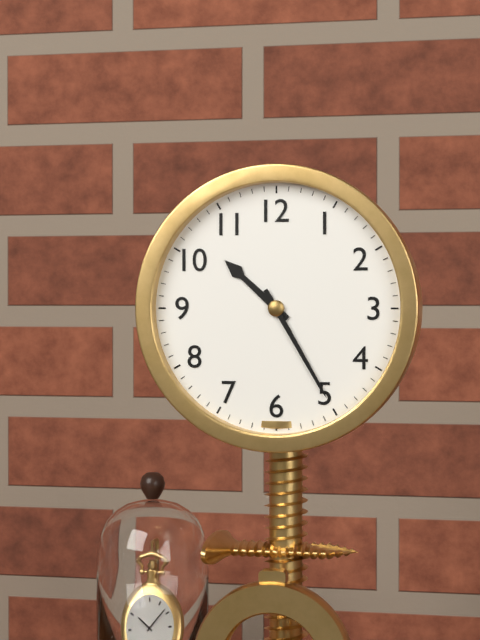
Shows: 10:25
